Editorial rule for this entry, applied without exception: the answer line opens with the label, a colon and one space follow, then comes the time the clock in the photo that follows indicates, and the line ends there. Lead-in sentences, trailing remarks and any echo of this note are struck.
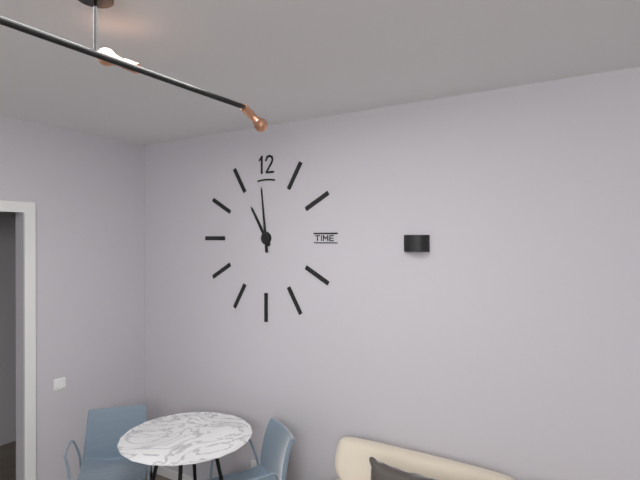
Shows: 10:59
